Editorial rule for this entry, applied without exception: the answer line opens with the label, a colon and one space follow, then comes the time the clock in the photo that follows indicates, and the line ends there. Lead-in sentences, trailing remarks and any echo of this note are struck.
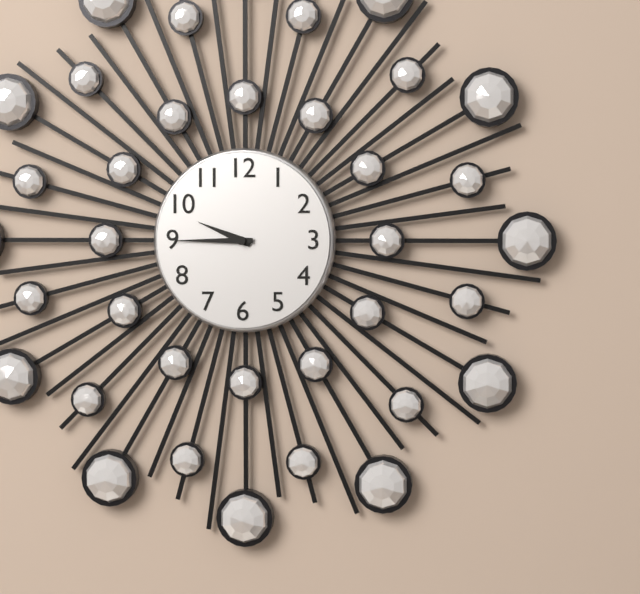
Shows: 9:45
